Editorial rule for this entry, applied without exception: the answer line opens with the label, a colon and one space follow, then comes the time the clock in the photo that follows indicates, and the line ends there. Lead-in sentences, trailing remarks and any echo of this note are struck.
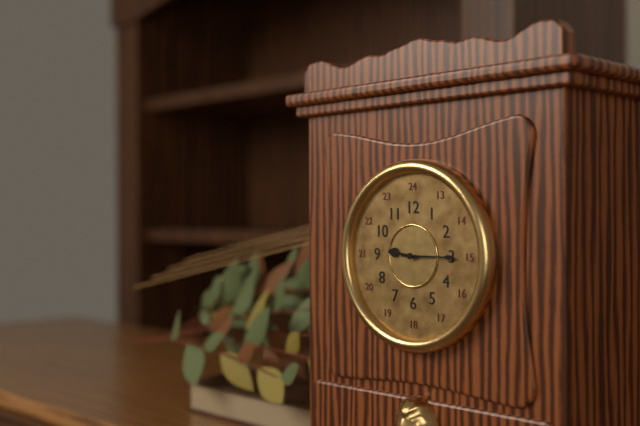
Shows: 9:15
